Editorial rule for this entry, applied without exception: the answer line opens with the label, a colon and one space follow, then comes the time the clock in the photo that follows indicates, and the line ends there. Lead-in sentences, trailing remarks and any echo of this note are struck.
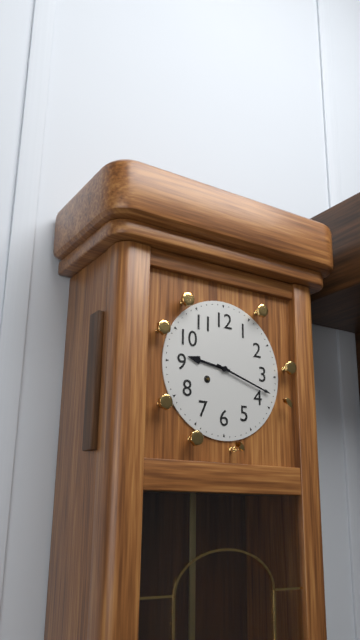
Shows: 9:18
